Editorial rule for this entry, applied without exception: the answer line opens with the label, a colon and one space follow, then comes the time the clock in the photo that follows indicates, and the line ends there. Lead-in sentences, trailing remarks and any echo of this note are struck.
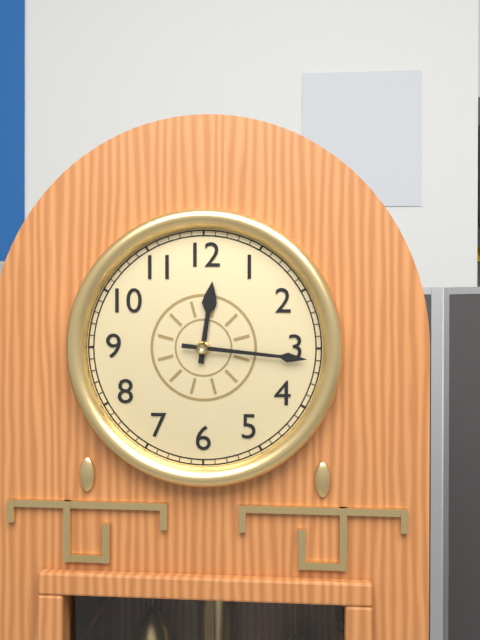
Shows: 12:16
